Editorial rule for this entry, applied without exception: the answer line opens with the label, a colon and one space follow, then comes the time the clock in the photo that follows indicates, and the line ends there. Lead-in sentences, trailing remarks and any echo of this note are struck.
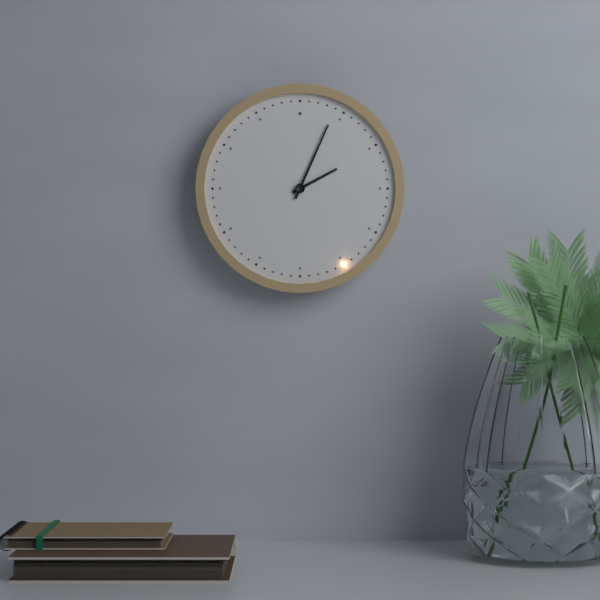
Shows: 2:04
